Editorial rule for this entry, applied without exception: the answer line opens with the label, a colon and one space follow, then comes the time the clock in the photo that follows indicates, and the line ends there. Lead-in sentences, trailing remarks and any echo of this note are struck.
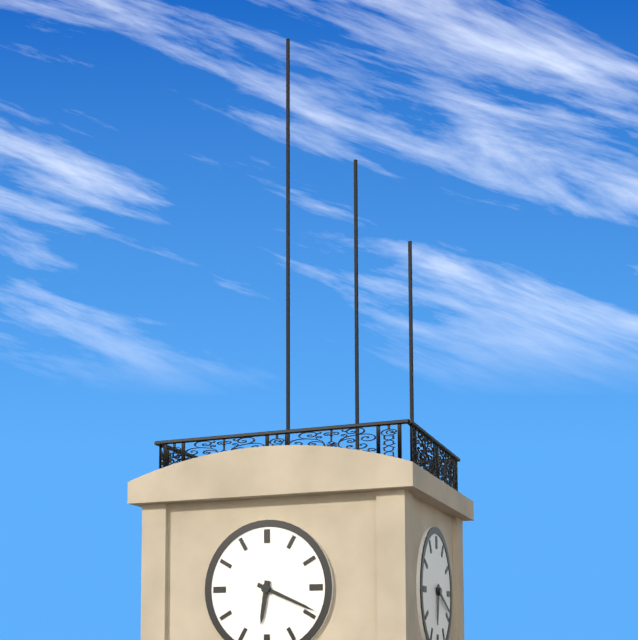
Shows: 6:19
